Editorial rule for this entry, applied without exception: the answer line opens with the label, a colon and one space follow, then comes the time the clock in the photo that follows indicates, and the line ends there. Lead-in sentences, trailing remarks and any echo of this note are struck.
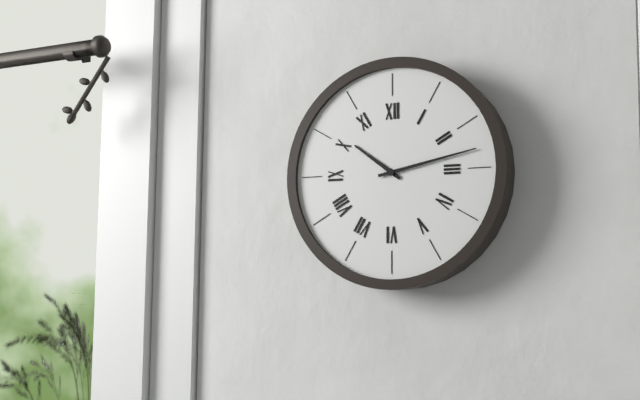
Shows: 10:13
